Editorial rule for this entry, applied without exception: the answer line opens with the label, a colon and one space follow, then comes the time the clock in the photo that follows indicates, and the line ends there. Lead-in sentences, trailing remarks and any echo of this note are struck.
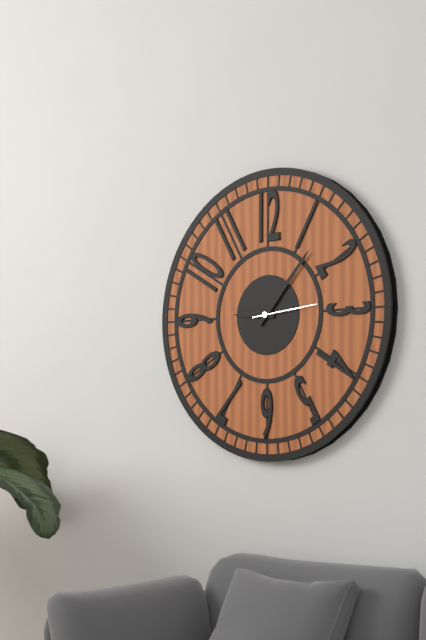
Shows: 9:07:14
